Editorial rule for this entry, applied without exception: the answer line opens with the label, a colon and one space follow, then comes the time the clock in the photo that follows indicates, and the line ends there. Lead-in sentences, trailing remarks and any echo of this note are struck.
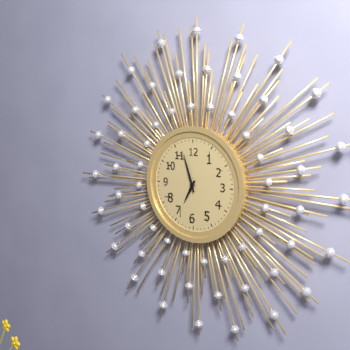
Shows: 6:57
